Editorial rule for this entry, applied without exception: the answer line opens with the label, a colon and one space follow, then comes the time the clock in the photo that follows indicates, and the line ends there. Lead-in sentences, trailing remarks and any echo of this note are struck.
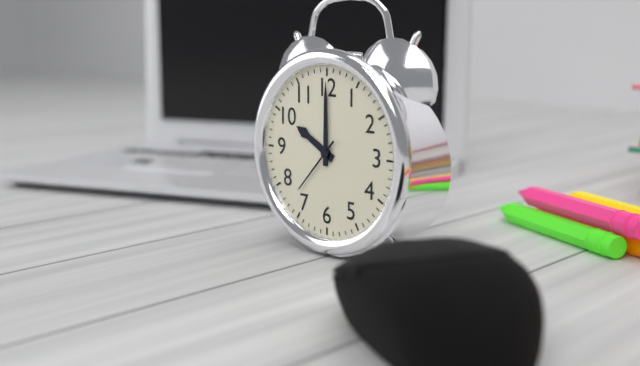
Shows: 10:00:37
